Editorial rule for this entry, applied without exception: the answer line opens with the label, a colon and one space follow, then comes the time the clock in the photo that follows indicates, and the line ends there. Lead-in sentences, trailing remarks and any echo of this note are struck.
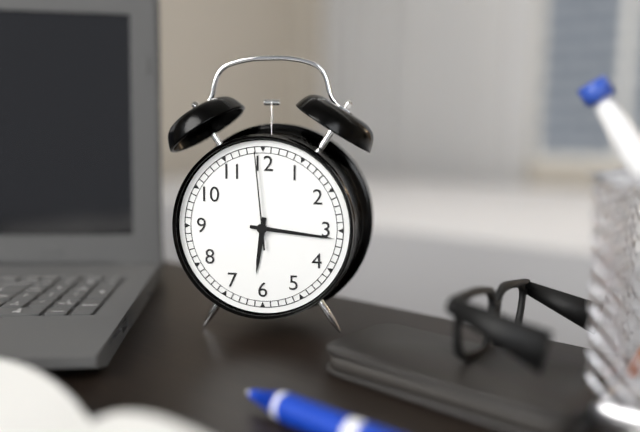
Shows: 6:16:59
